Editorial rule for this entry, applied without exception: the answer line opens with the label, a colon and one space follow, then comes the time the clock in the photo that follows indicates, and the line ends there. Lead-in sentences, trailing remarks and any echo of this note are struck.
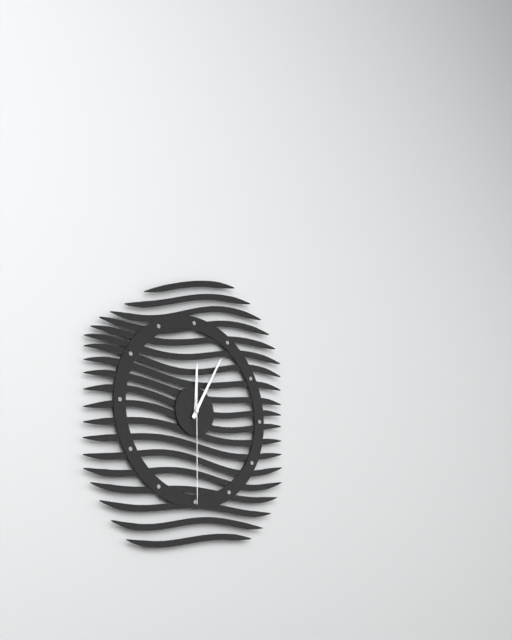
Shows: 12:05:30
